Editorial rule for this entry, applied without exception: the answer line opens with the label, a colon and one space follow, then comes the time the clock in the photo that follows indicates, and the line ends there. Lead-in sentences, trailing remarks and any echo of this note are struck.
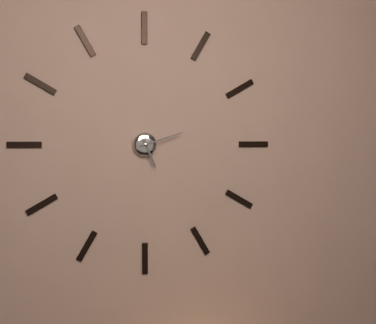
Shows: 5:12
